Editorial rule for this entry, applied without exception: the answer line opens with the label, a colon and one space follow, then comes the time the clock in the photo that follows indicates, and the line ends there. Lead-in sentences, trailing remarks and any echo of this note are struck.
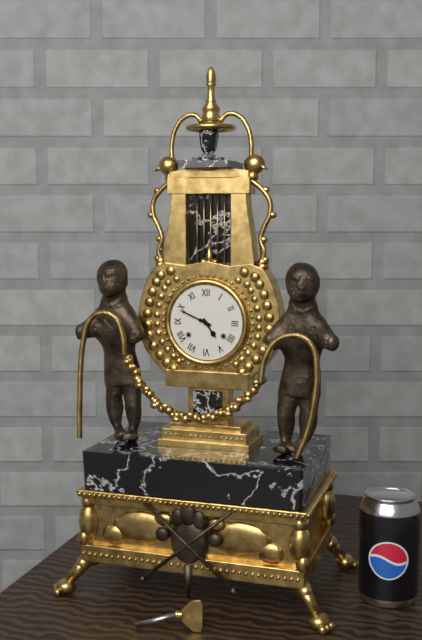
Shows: 4:49
